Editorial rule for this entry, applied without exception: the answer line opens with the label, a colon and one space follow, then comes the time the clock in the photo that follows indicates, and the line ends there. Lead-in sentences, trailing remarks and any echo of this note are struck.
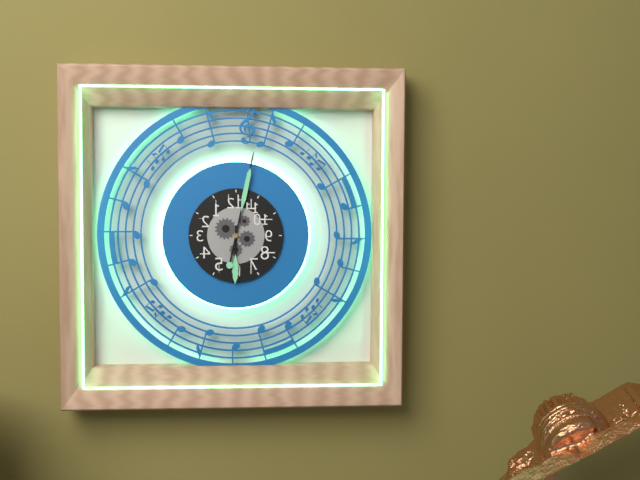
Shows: 6:02
